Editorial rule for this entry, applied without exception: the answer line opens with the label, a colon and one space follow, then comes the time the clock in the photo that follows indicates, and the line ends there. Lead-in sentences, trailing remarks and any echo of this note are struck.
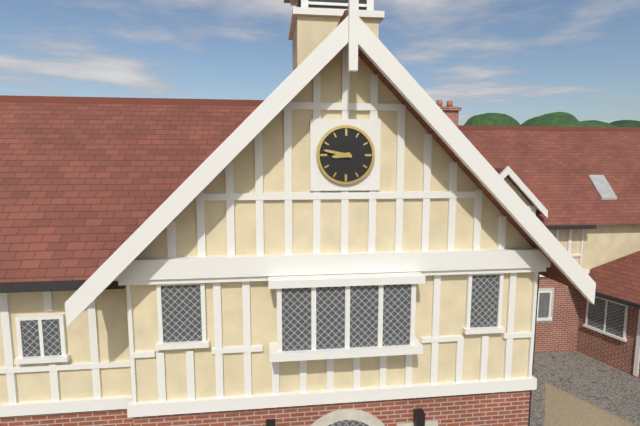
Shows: 8:47
